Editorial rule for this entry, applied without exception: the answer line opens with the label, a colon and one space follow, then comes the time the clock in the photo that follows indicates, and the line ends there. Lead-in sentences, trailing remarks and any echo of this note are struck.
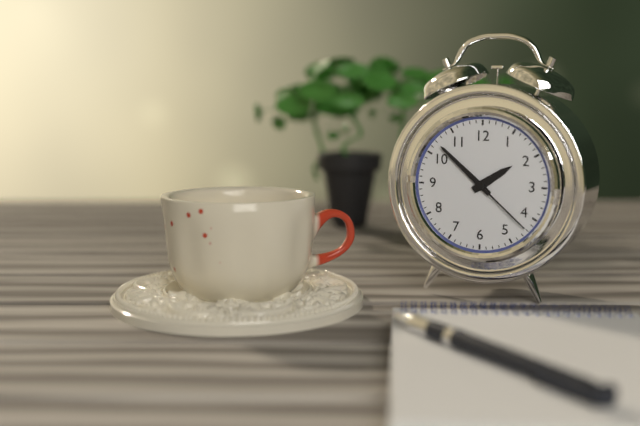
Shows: 1:52:22
